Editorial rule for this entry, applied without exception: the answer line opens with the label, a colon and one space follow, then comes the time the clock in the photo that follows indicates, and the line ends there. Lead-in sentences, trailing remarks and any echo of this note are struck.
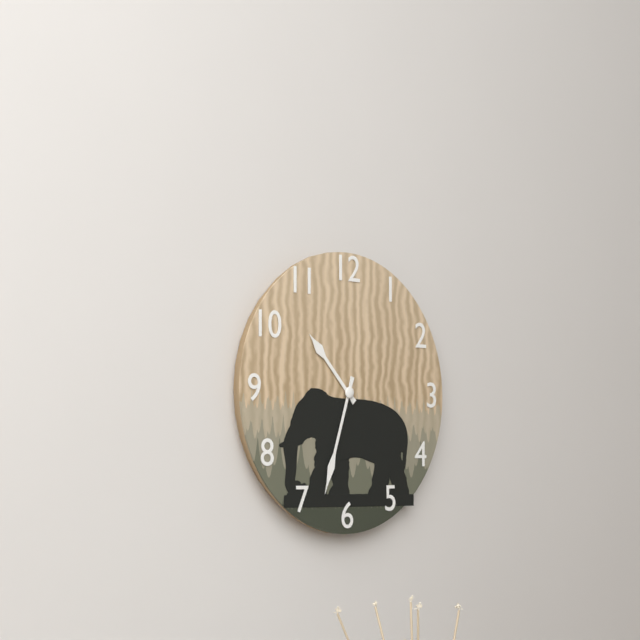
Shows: 10:33
